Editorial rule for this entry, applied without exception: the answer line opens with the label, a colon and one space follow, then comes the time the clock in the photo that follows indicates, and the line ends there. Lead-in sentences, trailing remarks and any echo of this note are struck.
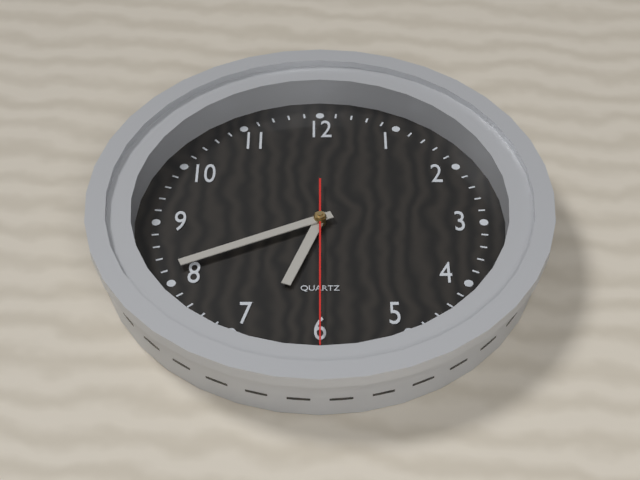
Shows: 6:41:30
